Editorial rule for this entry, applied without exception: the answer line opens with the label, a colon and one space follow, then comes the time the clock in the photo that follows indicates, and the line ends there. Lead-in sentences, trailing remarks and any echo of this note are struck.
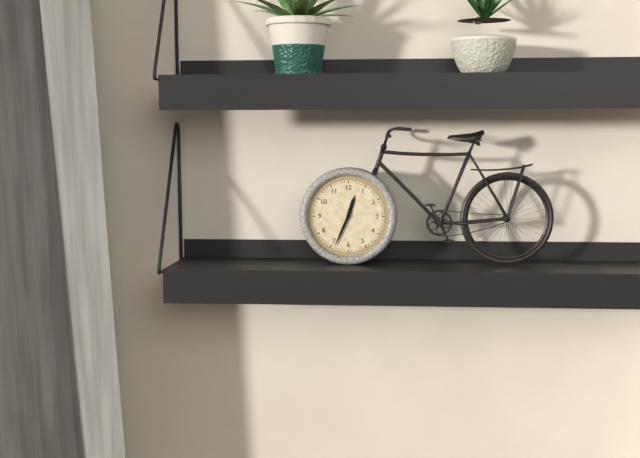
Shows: 12:34
